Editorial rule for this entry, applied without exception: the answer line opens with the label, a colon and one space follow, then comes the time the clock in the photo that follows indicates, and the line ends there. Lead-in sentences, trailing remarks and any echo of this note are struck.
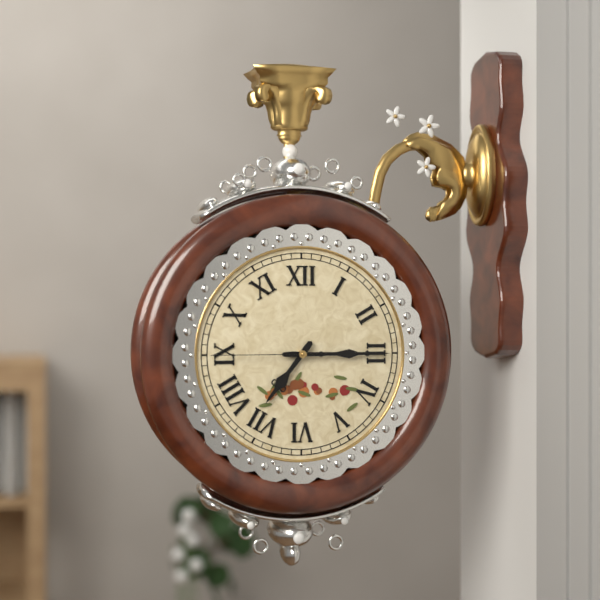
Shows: 7:15:45
